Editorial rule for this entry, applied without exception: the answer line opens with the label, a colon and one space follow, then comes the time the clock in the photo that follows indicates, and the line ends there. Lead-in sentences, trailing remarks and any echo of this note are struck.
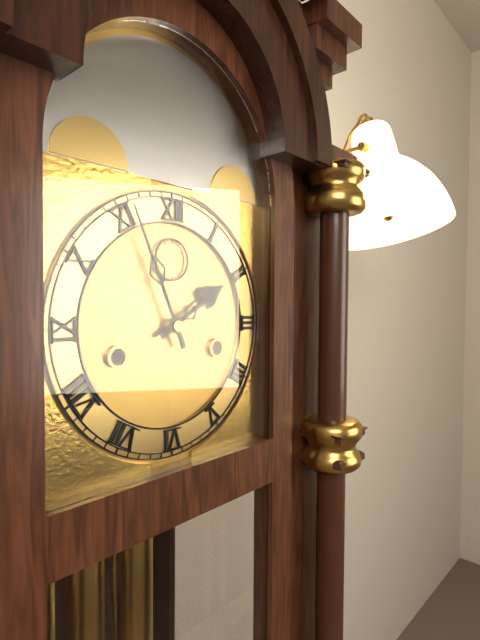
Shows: 1:56
